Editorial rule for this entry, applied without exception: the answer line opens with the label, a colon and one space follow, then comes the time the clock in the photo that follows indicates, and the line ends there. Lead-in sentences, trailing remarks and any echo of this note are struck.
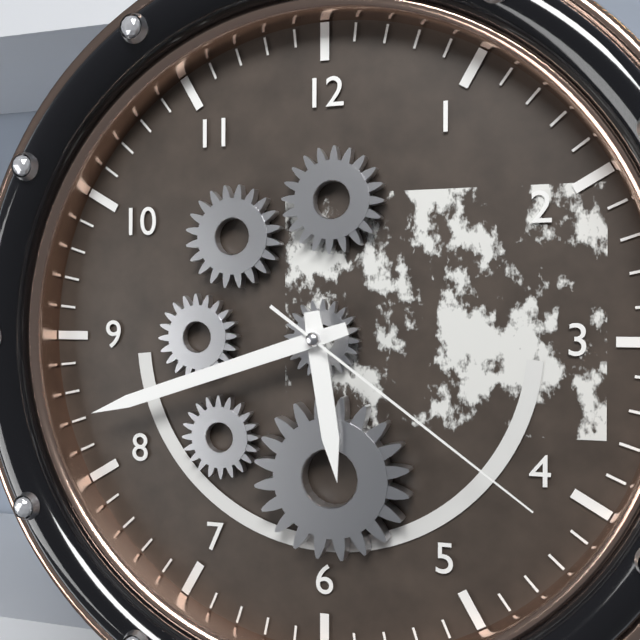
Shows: 5:42:21
